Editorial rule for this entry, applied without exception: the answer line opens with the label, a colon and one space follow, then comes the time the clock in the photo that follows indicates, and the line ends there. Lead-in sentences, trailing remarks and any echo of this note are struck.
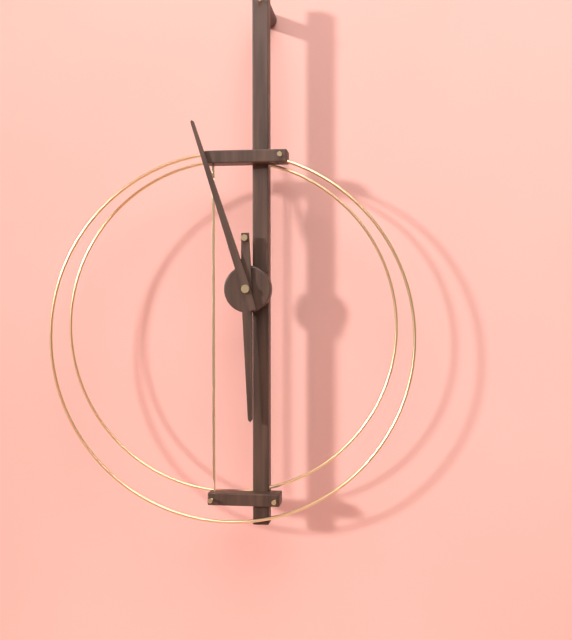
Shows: 5:57
